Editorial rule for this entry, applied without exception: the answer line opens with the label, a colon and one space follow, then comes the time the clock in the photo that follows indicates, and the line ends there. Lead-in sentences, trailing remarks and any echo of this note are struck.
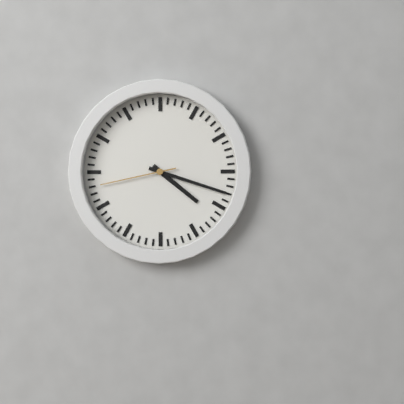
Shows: 4:18:43
